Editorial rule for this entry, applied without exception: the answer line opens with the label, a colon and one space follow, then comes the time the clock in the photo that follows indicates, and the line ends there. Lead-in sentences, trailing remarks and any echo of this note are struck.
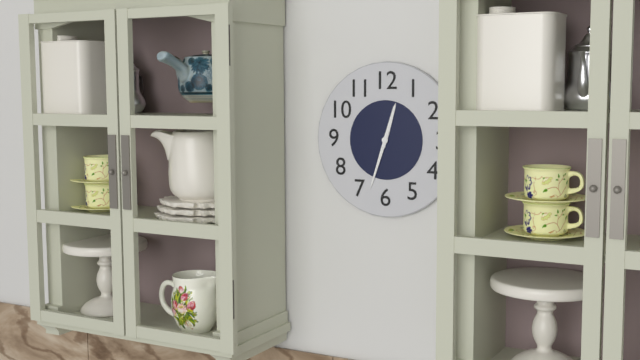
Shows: 12:33
